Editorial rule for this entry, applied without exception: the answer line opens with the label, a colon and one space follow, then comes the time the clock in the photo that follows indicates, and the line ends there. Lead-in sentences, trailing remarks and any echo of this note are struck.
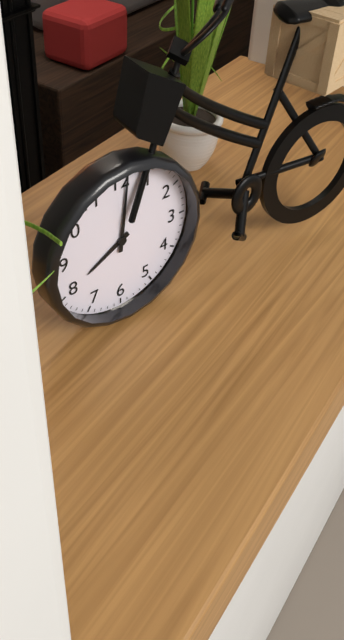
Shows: 8:01
